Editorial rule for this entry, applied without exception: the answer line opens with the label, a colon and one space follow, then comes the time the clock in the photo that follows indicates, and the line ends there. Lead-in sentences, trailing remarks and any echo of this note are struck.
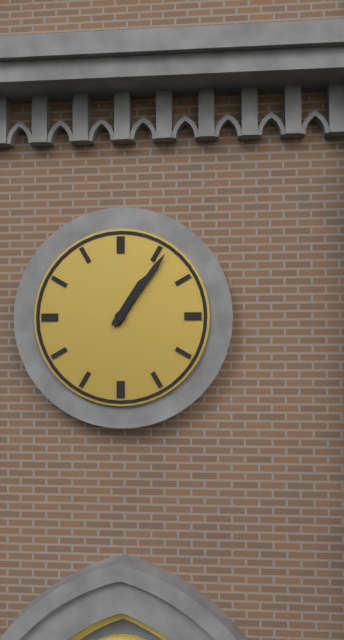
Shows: 1:06
